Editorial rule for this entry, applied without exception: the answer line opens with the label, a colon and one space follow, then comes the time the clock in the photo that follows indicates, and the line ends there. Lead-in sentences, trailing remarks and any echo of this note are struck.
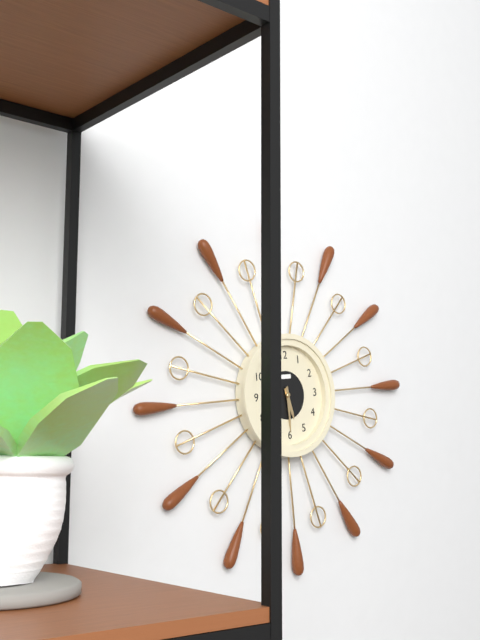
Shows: 5:30
